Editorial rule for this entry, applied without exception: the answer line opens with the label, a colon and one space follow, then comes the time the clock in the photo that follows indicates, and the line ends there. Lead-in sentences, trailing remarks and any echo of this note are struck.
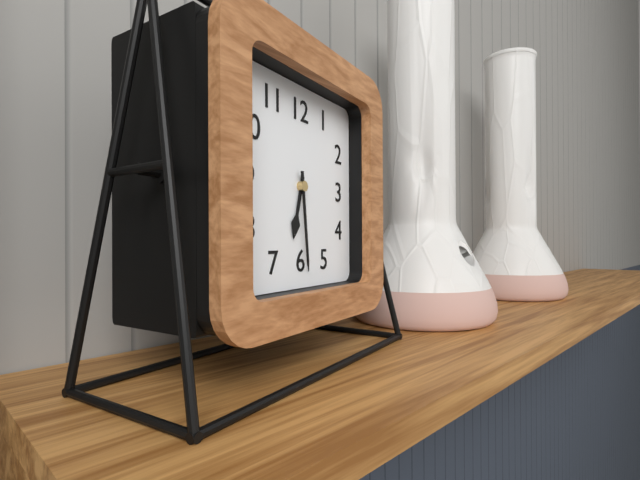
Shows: 6:29
